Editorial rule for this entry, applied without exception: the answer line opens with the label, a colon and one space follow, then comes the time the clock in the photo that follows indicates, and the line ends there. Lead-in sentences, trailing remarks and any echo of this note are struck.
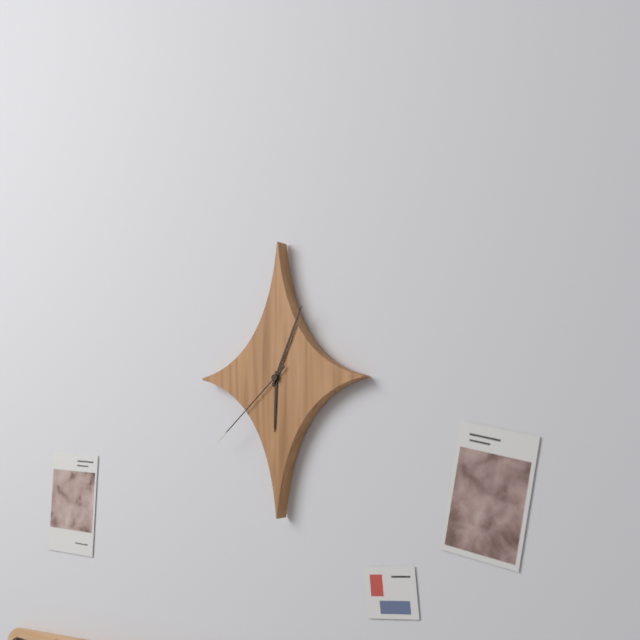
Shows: 6:04:38
